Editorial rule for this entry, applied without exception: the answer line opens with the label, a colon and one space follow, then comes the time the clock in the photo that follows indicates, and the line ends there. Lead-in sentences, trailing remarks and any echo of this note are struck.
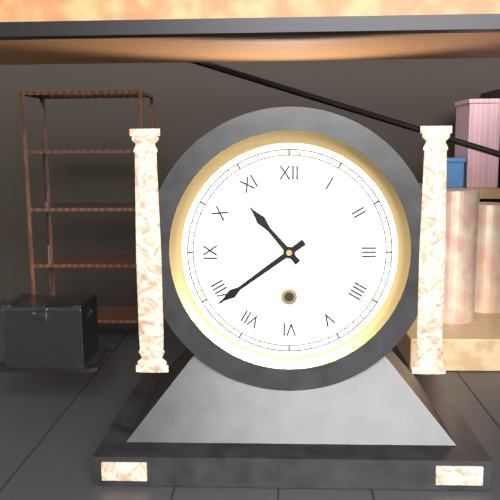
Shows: 10:39
